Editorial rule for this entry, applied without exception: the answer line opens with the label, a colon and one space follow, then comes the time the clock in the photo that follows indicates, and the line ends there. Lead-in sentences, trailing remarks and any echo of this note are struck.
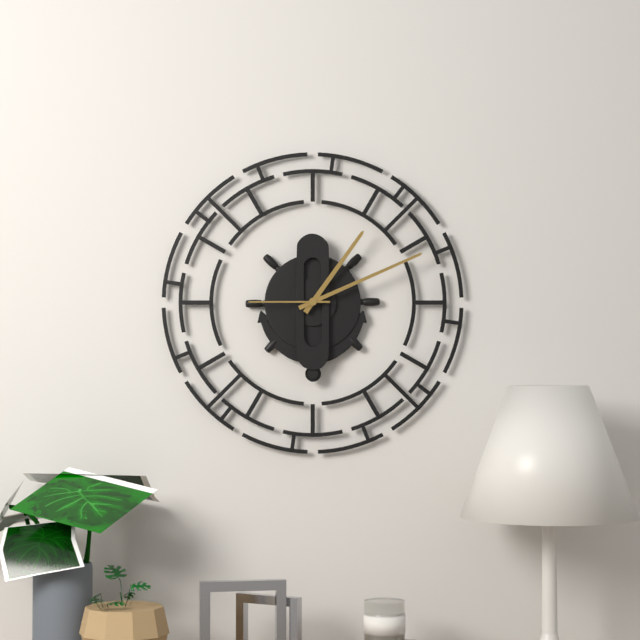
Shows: 1:11:45
